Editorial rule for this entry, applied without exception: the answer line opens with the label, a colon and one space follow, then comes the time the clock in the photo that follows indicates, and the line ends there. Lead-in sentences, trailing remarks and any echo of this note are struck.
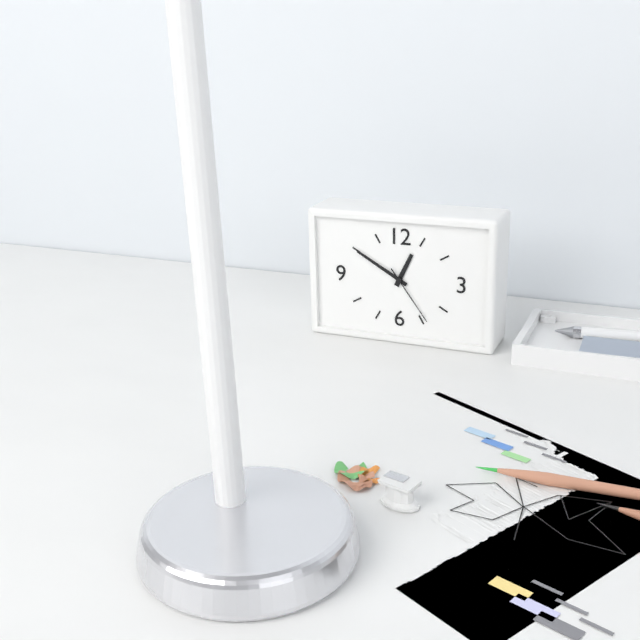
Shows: 12:50:24
